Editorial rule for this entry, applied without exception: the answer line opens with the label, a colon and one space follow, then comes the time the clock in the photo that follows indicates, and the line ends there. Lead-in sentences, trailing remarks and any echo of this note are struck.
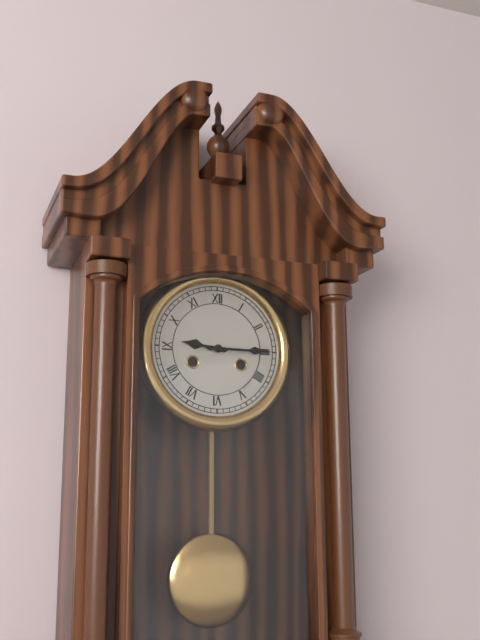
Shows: 9:15
